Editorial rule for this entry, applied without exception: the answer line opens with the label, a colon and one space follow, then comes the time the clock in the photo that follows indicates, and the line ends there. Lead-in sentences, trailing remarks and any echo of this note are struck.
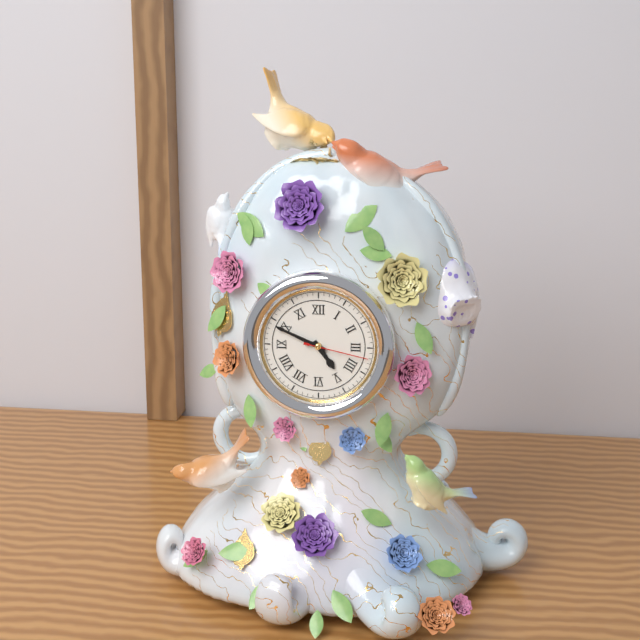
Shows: 4:49:17
